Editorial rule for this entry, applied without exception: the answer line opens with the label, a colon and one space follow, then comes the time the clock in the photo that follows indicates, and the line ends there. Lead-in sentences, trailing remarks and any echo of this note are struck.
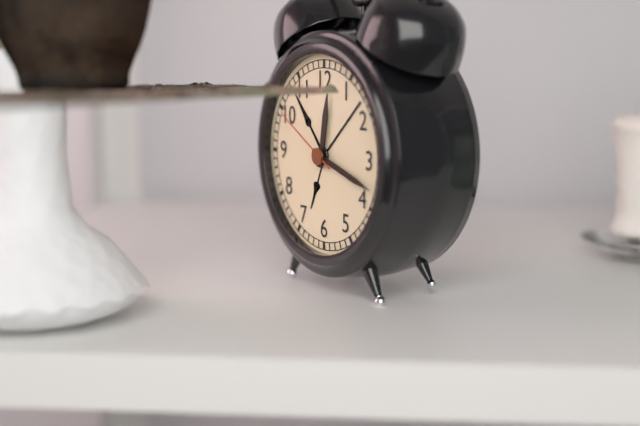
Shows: 12:18:50
